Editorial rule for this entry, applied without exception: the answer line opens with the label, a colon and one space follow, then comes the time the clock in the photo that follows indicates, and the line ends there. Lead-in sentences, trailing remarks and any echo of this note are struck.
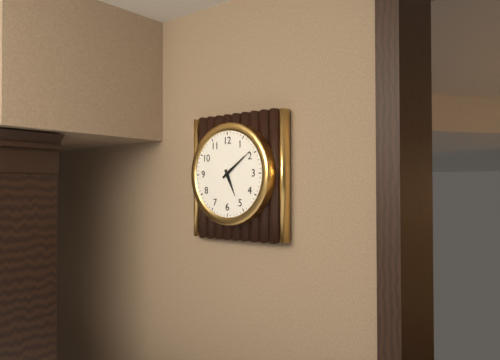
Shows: 5:09
